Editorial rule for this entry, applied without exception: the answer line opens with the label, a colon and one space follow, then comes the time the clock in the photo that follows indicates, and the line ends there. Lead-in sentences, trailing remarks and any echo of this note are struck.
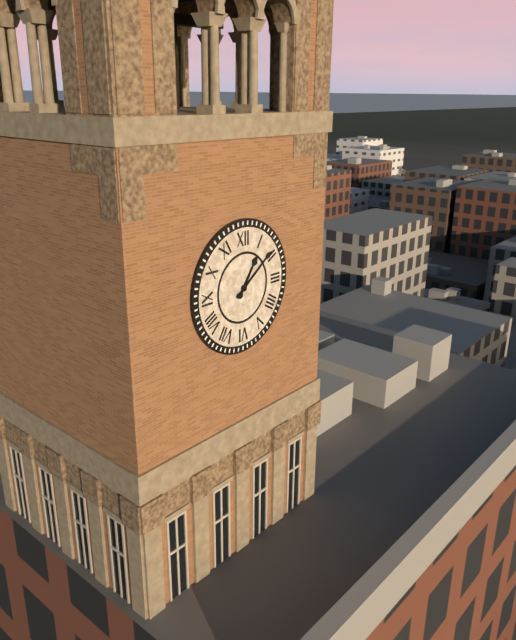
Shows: 1:09
